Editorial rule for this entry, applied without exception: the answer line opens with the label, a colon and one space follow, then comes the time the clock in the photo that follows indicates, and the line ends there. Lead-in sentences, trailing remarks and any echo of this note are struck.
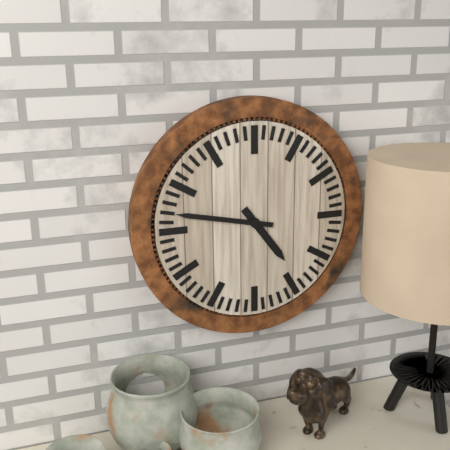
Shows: 4:47
